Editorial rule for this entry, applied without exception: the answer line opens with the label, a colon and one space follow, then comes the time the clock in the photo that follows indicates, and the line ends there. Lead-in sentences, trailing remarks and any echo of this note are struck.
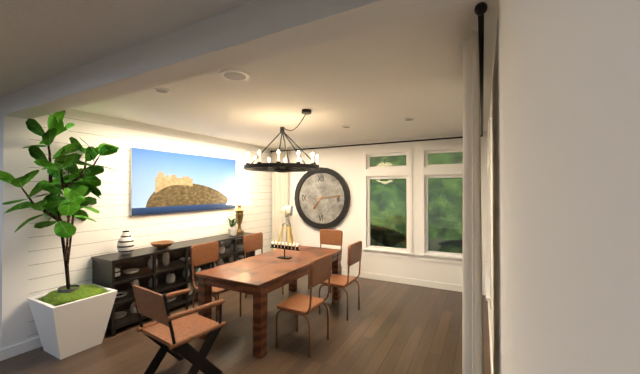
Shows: 7:14
